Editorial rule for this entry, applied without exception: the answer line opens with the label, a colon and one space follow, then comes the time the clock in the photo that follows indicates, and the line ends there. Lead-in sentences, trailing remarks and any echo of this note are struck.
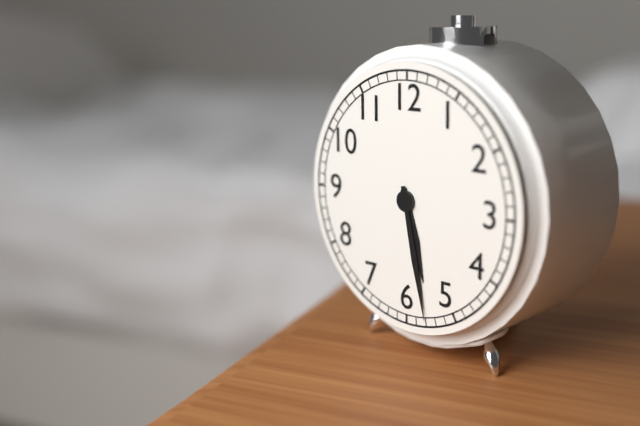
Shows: 5:28
